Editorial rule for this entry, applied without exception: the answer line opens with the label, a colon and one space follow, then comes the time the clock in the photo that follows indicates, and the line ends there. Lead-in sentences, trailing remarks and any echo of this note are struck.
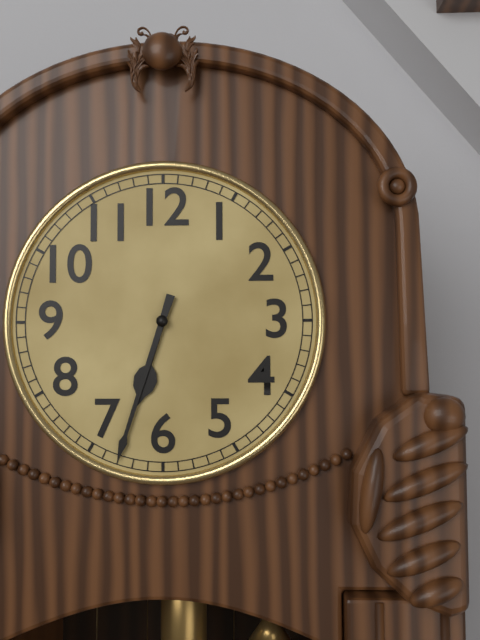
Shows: 6:33
